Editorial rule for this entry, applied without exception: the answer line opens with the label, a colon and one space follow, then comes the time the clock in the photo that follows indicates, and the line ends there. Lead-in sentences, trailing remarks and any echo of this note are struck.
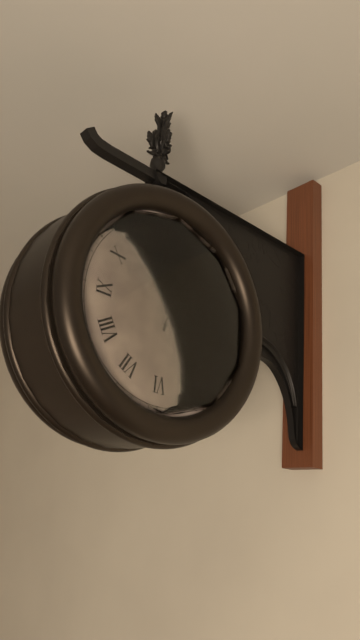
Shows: 11:00:02
